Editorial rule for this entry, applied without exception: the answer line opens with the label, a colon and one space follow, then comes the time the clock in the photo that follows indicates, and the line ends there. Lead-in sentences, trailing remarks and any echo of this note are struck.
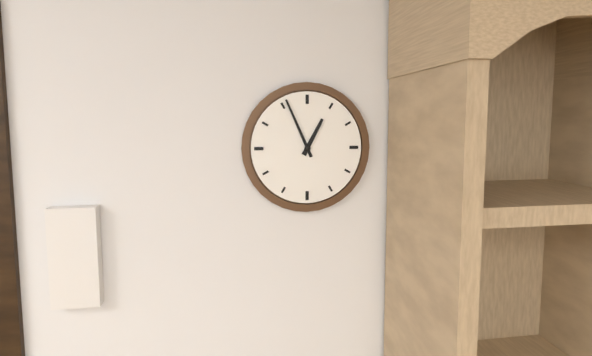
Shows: 12:56
